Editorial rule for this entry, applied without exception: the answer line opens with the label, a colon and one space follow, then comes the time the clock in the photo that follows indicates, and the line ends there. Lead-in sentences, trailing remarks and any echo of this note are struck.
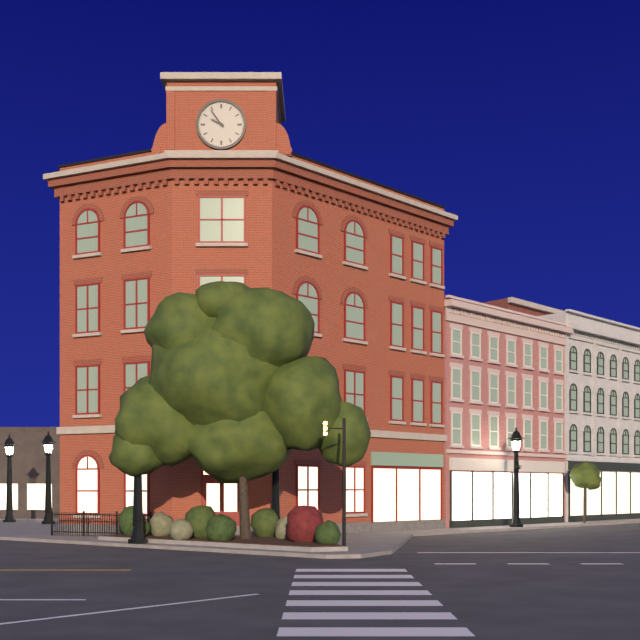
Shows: 9:54
